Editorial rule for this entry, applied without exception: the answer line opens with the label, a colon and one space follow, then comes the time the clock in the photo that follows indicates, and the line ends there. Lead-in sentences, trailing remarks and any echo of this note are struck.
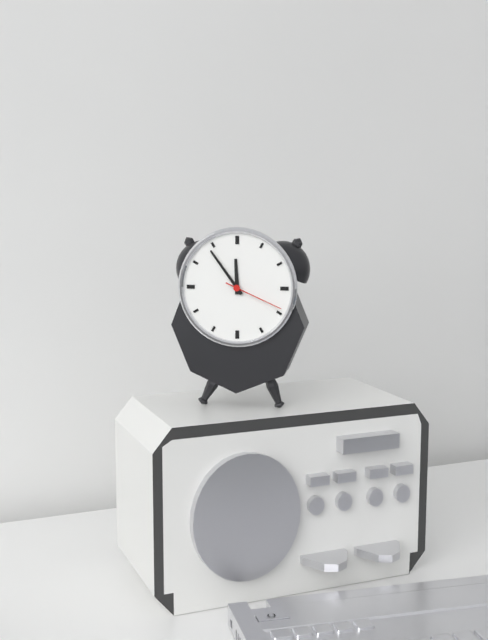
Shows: 11:54:19
